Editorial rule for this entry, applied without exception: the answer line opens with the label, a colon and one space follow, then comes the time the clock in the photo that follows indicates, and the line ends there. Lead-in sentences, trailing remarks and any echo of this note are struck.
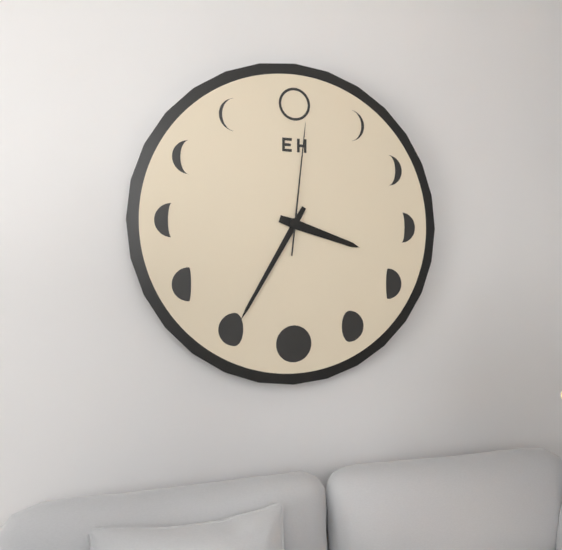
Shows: 3:35:01
